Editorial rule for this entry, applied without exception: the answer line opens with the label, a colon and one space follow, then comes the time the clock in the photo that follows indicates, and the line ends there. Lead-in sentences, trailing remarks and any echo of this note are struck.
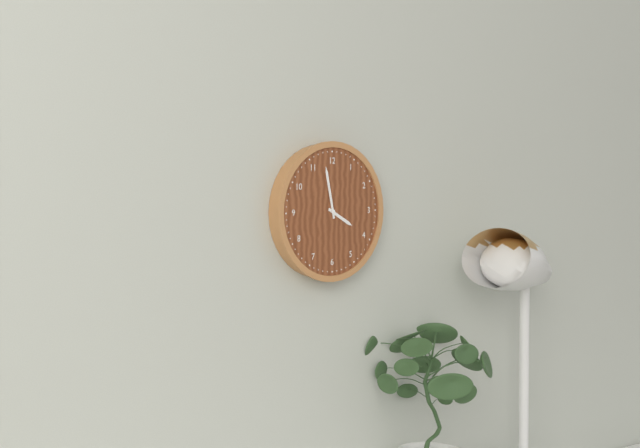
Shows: 3:58
